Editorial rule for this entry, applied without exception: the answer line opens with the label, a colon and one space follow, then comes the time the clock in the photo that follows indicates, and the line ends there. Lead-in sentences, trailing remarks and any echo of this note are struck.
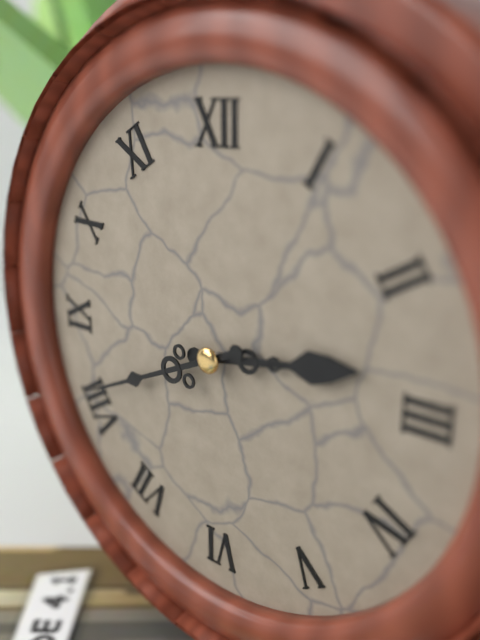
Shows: 2:41
